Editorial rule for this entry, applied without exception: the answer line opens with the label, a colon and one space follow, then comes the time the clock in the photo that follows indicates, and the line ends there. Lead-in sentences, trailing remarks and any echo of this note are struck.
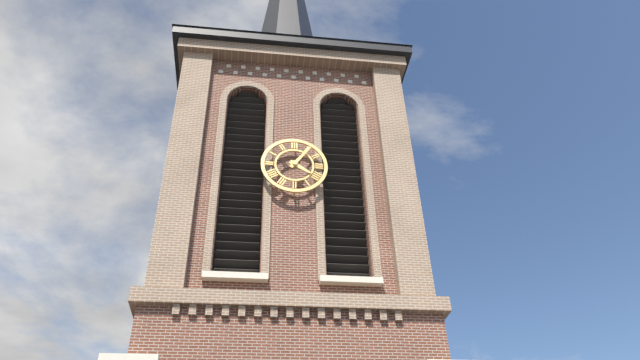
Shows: 4:06
